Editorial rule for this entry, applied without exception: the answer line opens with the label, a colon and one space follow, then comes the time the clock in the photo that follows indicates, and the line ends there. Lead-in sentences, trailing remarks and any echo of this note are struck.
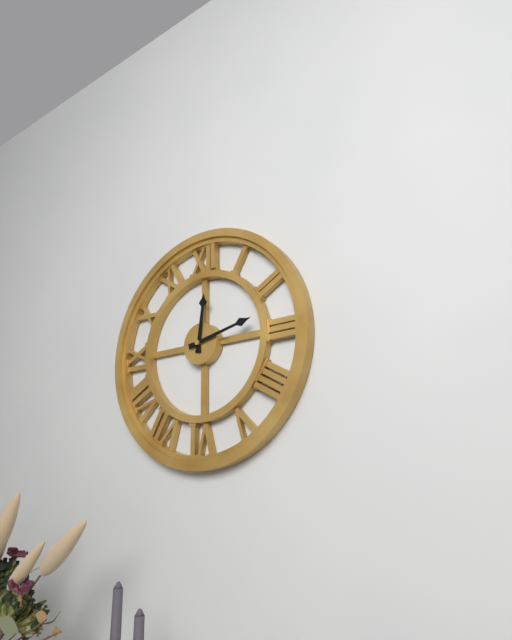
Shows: 12:13
